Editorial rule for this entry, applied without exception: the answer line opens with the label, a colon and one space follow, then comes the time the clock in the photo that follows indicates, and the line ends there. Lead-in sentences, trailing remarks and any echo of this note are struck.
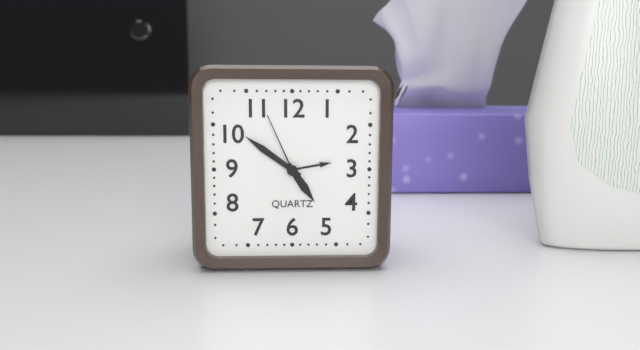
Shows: 4:51:56
